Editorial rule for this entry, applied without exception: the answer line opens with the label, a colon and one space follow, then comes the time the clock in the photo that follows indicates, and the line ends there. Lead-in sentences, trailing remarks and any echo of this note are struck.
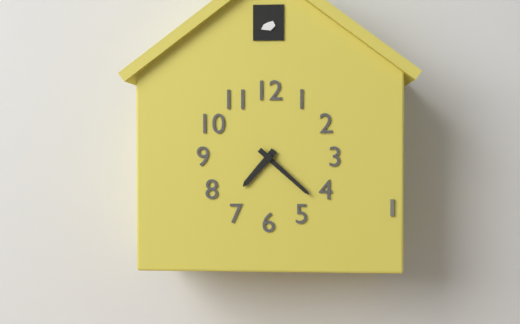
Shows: 7:22
